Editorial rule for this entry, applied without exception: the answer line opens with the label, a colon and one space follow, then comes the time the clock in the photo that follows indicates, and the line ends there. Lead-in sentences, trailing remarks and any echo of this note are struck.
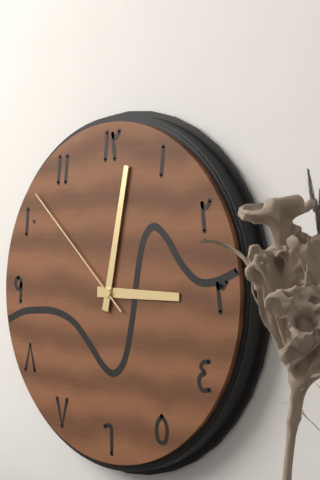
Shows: 3:02:52
